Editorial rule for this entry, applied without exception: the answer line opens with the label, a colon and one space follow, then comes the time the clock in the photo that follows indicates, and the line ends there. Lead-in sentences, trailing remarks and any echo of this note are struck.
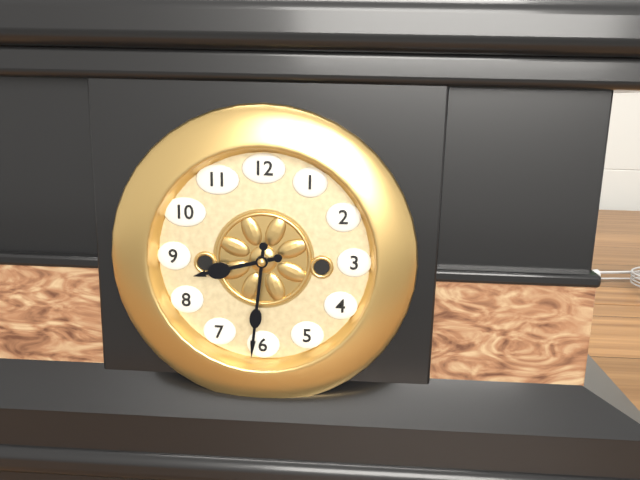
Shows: 8:31
